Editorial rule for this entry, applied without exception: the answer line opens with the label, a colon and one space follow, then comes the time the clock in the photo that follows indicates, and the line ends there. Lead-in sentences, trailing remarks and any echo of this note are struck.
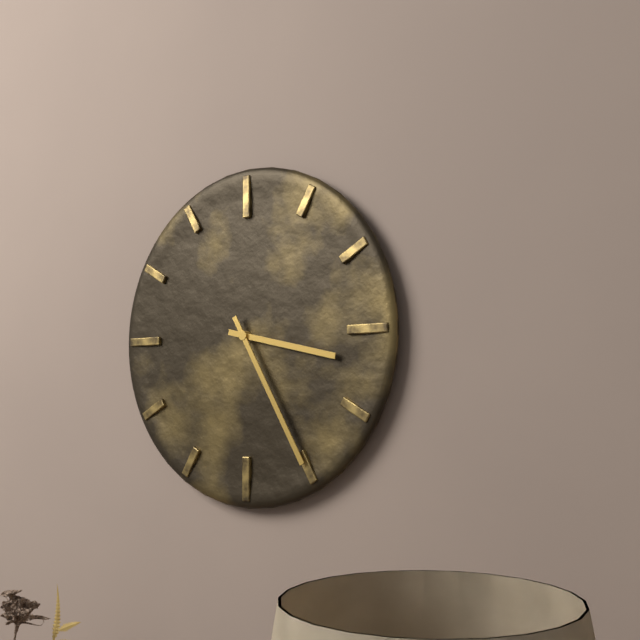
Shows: 3:25
